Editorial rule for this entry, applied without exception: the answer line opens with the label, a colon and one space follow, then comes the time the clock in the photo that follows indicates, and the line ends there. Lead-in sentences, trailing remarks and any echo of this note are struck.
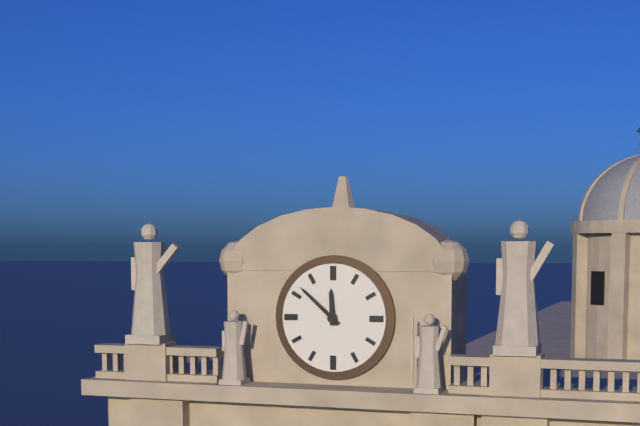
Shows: 11:52
